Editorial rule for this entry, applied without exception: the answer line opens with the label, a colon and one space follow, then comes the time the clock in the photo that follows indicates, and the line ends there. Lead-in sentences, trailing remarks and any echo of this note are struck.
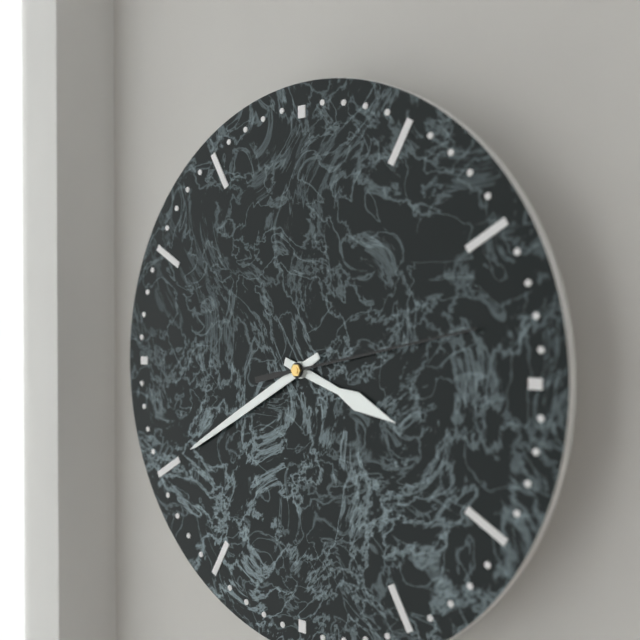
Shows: 3:40:13
